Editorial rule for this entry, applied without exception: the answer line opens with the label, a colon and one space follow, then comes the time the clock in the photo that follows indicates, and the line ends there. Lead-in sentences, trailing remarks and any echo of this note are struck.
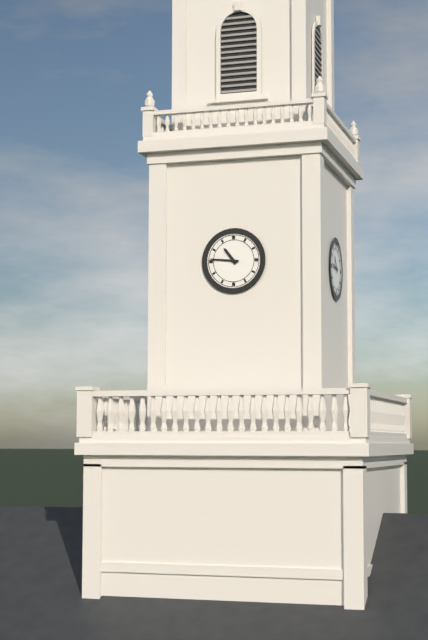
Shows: 10:46
